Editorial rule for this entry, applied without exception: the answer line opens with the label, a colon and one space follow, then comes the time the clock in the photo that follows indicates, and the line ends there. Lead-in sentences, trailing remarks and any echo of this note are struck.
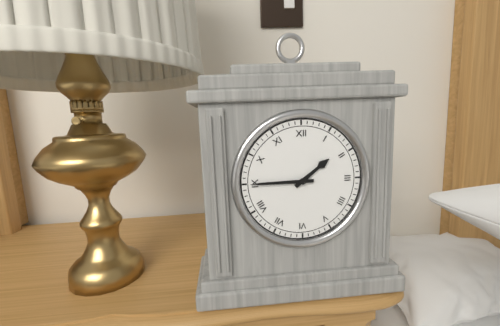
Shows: 1:45
